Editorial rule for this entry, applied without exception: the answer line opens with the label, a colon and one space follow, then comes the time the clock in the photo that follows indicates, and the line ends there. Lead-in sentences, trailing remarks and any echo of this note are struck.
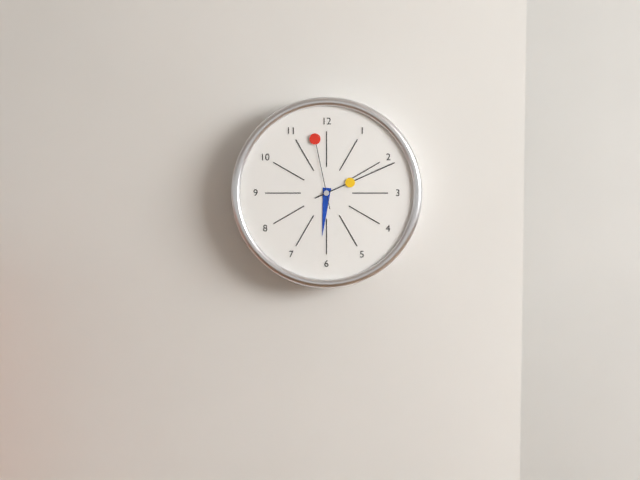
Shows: 6:11:58
